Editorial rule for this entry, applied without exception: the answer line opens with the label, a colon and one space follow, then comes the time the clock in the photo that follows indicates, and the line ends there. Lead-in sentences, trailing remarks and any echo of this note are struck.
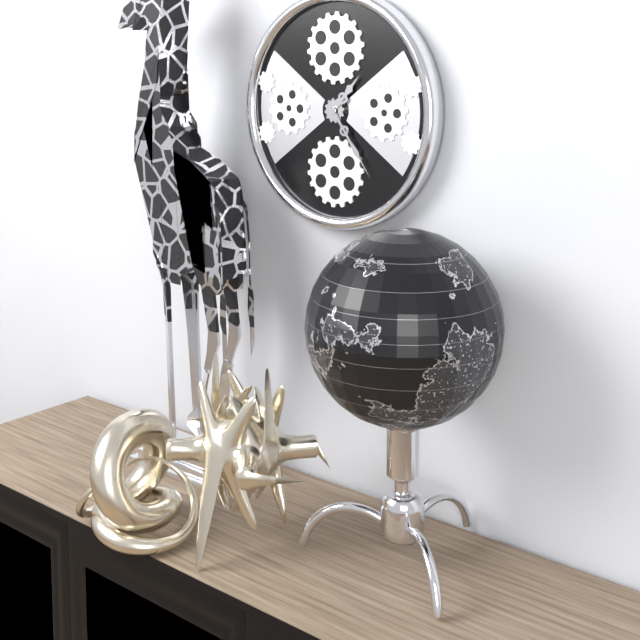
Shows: 1:24
